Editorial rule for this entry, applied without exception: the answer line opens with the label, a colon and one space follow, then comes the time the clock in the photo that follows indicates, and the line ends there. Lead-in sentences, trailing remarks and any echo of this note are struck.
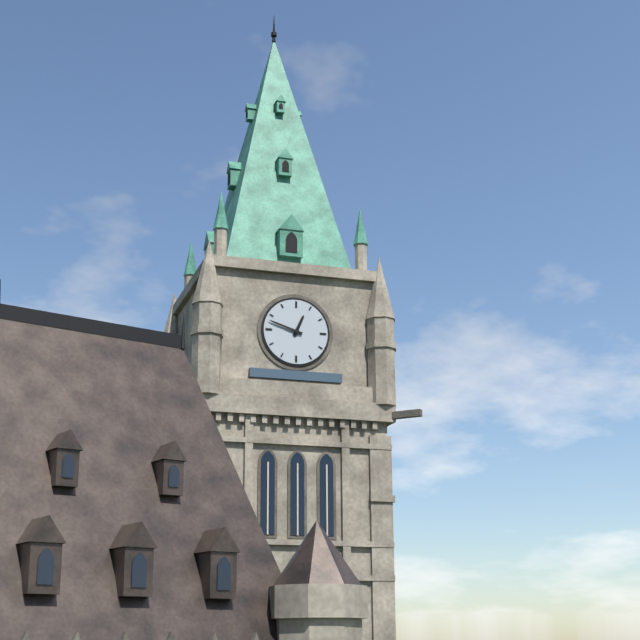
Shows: 12:48
